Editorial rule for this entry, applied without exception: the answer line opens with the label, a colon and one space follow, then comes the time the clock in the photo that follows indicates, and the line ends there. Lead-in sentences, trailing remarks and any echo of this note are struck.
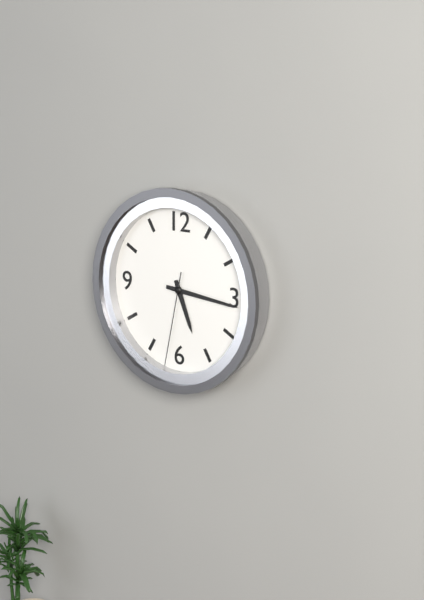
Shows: 5:16:32
